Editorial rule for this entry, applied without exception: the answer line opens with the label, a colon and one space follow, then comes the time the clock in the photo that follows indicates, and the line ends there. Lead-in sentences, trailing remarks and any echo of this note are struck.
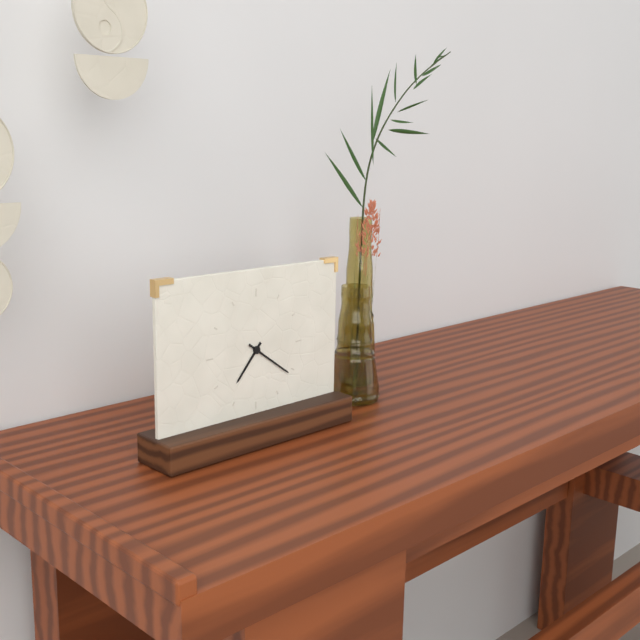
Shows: 7:21
